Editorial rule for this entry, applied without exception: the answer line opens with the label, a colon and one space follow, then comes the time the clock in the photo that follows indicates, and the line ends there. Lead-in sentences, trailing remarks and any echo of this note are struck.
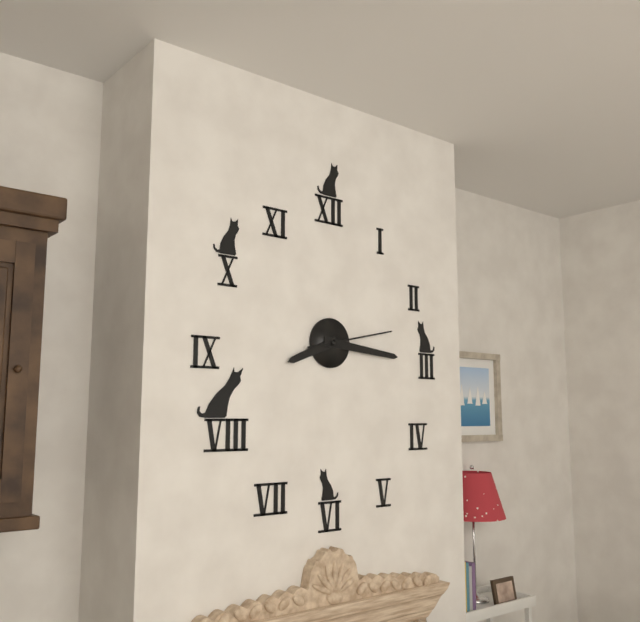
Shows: 8:16:13
